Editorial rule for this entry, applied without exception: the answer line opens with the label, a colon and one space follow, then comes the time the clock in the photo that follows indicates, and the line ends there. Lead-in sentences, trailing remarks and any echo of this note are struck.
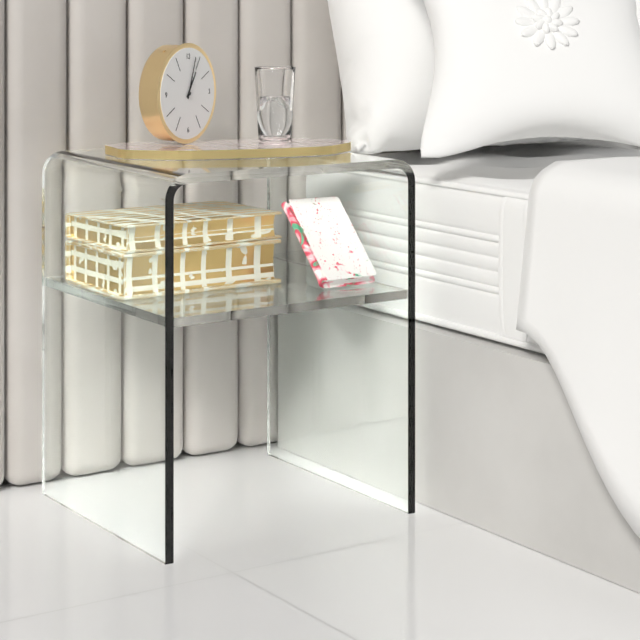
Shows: 1:03
